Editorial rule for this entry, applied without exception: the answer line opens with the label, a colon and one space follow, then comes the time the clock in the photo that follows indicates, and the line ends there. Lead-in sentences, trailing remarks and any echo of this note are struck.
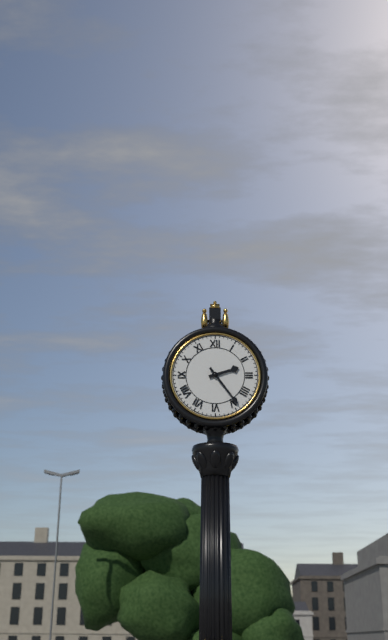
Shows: 2:24
